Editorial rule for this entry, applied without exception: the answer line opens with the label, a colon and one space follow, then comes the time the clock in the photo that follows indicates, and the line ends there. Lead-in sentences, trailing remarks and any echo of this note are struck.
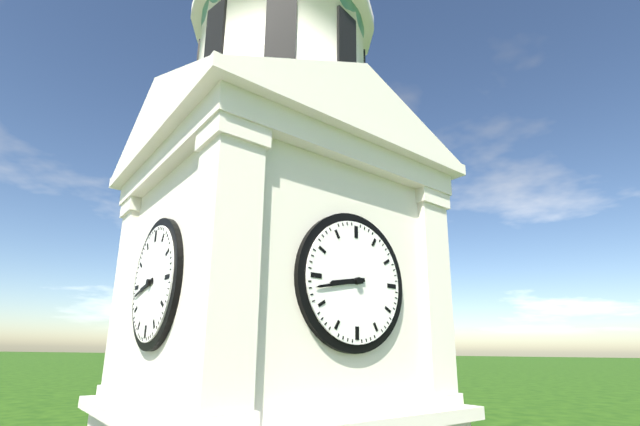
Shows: 8:43
